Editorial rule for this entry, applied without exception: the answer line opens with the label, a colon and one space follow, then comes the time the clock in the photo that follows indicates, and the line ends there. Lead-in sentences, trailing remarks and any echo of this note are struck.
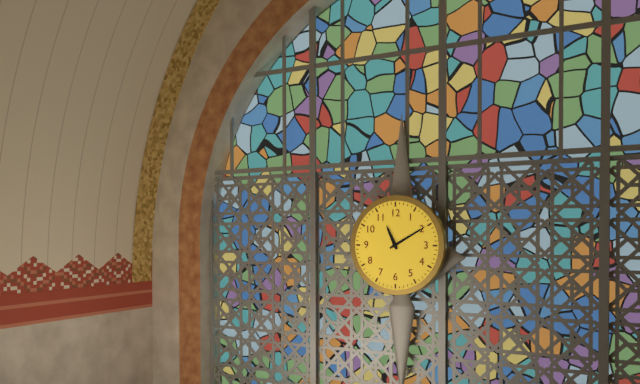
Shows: 11:10
